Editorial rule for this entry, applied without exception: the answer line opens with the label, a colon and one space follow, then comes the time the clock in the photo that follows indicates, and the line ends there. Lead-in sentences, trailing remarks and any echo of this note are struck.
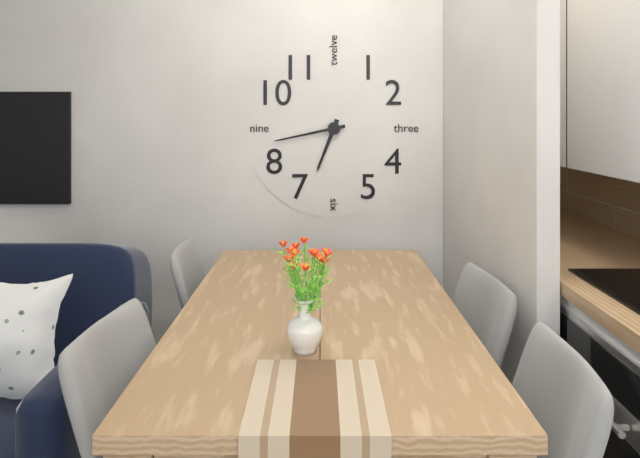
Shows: 6:43
